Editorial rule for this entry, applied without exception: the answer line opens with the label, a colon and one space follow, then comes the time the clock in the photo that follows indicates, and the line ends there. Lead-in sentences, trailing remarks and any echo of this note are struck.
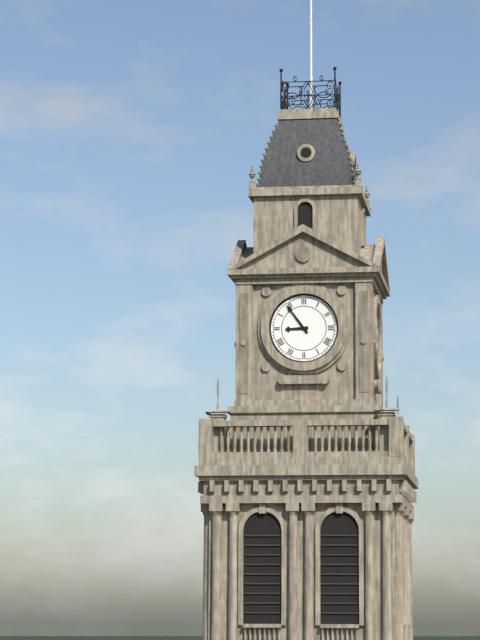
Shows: 8:54
